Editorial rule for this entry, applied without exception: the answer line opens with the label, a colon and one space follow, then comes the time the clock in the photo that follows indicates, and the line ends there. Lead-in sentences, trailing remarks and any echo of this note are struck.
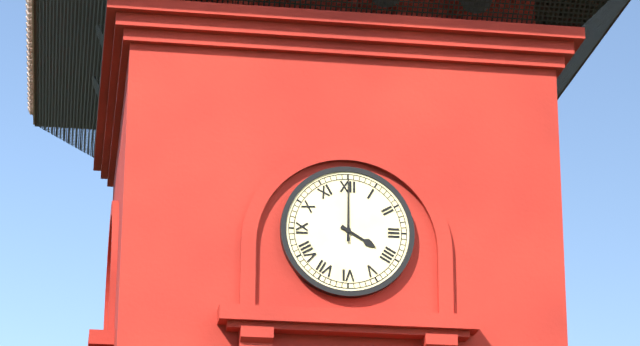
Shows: 4:00
